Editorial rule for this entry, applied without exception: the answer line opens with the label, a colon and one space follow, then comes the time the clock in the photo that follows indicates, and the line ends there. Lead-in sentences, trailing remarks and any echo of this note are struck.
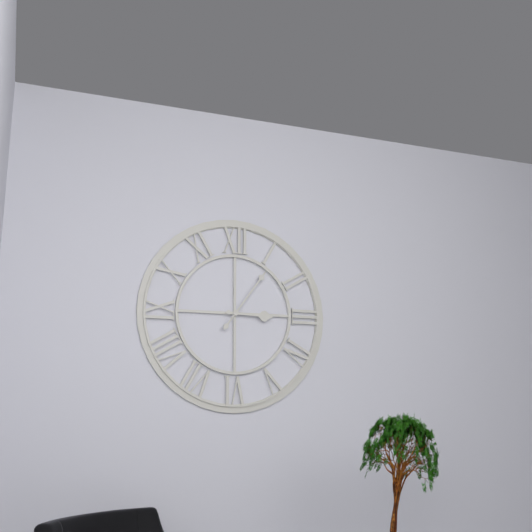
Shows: 3:06
